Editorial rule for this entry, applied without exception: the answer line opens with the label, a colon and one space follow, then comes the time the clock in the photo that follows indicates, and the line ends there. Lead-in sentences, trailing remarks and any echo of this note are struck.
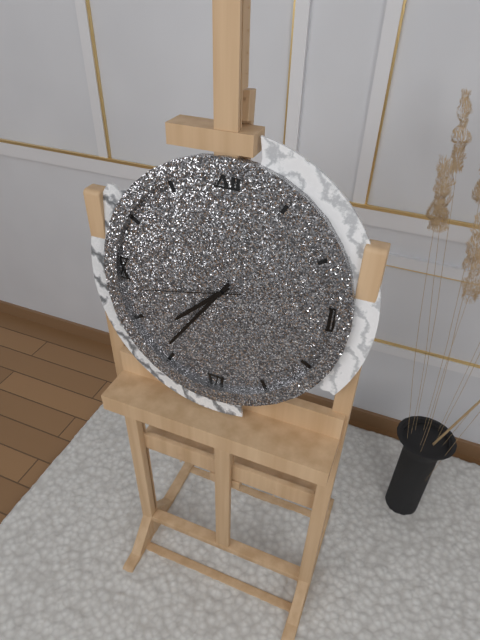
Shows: 7:36:43
